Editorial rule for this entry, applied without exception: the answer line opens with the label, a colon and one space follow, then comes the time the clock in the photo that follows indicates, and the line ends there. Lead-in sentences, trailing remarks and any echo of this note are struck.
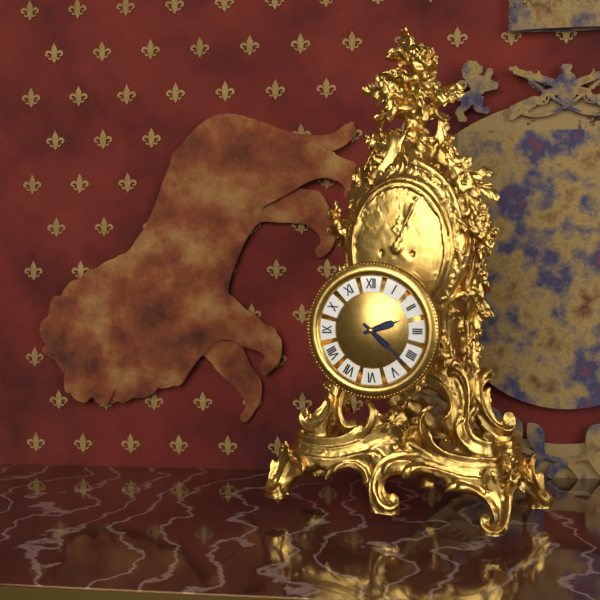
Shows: 2:22
